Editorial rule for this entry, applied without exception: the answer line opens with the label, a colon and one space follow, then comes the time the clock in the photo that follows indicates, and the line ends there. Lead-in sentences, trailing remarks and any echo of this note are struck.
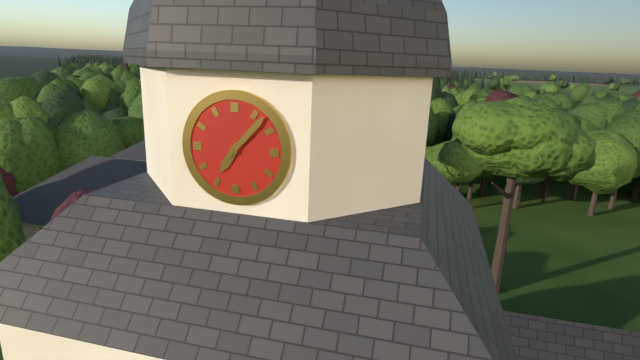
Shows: 7:07
